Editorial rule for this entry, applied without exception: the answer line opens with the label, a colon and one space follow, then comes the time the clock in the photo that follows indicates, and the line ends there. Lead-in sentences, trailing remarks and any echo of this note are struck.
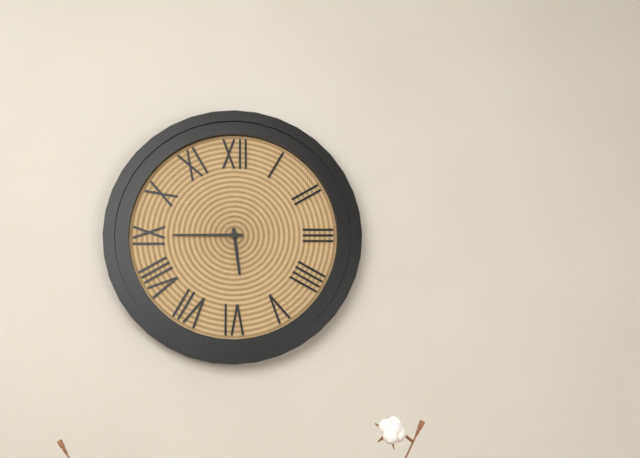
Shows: 5:45
